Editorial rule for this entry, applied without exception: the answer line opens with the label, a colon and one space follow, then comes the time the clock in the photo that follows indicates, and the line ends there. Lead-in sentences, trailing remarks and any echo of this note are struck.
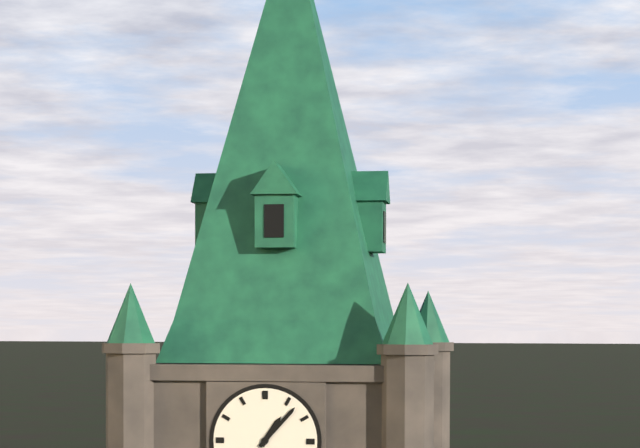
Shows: 1:07
